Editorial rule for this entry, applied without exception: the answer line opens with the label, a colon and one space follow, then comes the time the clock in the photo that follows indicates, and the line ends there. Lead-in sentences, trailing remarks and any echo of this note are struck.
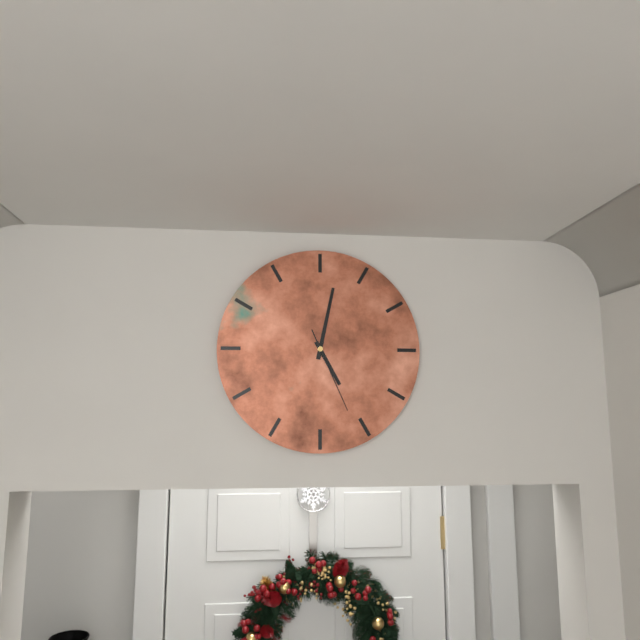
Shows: 5:02:26
